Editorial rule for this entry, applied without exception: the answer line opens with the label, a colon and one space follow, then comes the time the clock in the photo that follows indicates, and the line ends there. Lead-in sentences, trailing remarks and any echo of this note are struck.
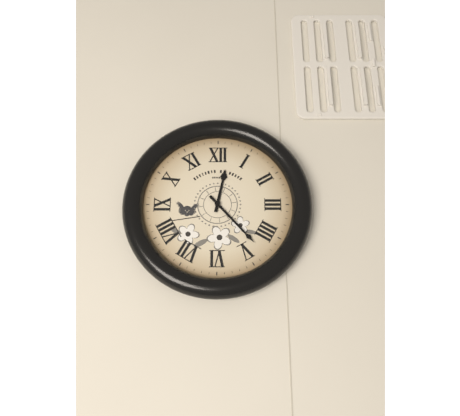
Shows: 12:23
